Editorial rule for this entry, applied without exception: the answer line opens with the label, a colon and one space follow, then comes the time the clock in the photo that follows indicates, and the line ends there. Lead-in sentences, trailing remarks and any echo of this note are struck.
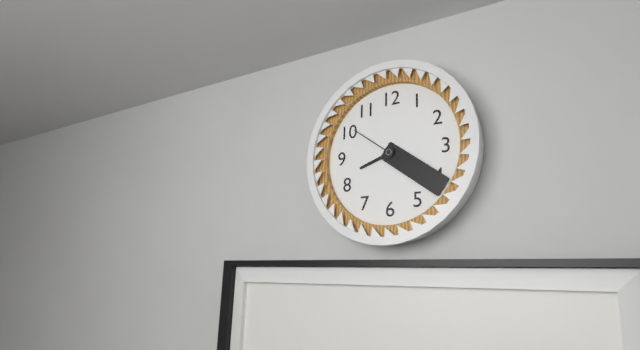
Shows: 8:21:51
